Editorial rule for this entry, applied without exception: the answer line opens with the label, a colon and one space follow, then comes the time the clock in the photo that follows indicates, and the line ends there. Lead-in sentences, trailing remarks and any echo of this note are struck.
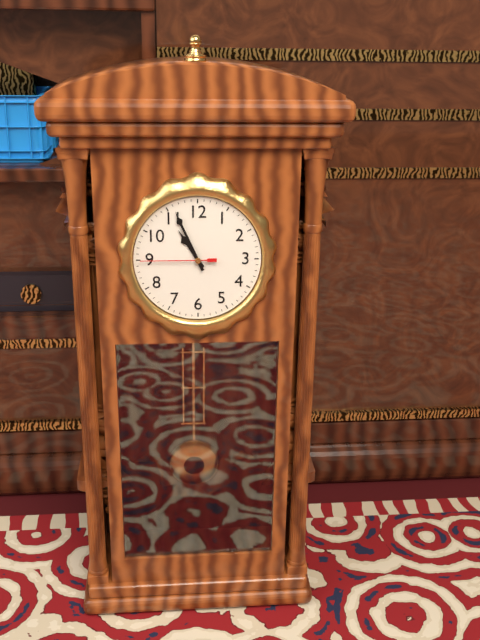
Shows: 10:56:45
